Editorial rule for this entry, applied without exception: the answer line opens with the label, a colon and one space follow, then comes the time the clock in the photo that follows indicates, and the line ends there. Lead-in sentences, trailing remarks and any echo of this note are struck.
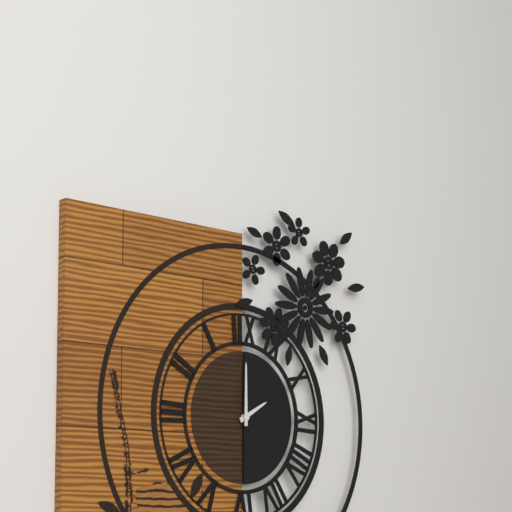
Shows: 2:00
